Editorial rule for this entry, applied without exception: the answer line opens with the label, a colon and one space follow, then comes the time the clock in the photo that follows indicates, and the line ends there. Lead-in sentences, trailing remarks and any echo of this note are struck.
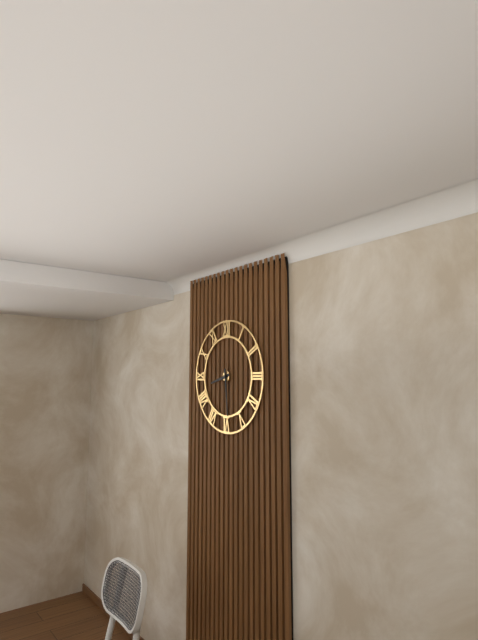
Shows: 8:29
